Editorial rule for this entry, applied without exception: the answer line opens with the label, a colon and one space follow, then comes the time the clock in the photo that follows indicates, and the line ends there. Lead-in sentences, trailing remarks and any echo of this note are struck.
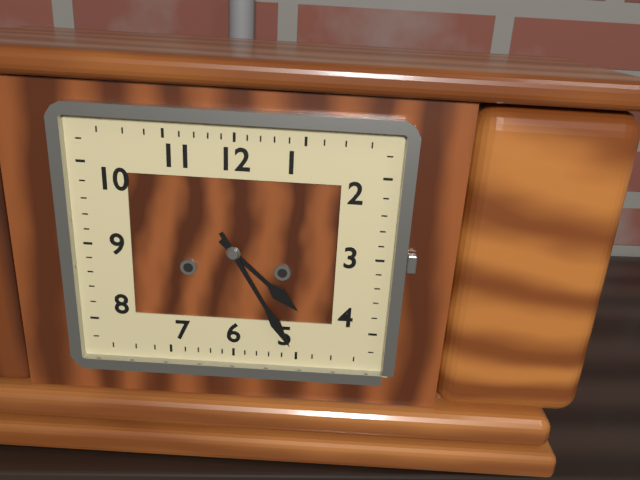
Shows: 4:25
